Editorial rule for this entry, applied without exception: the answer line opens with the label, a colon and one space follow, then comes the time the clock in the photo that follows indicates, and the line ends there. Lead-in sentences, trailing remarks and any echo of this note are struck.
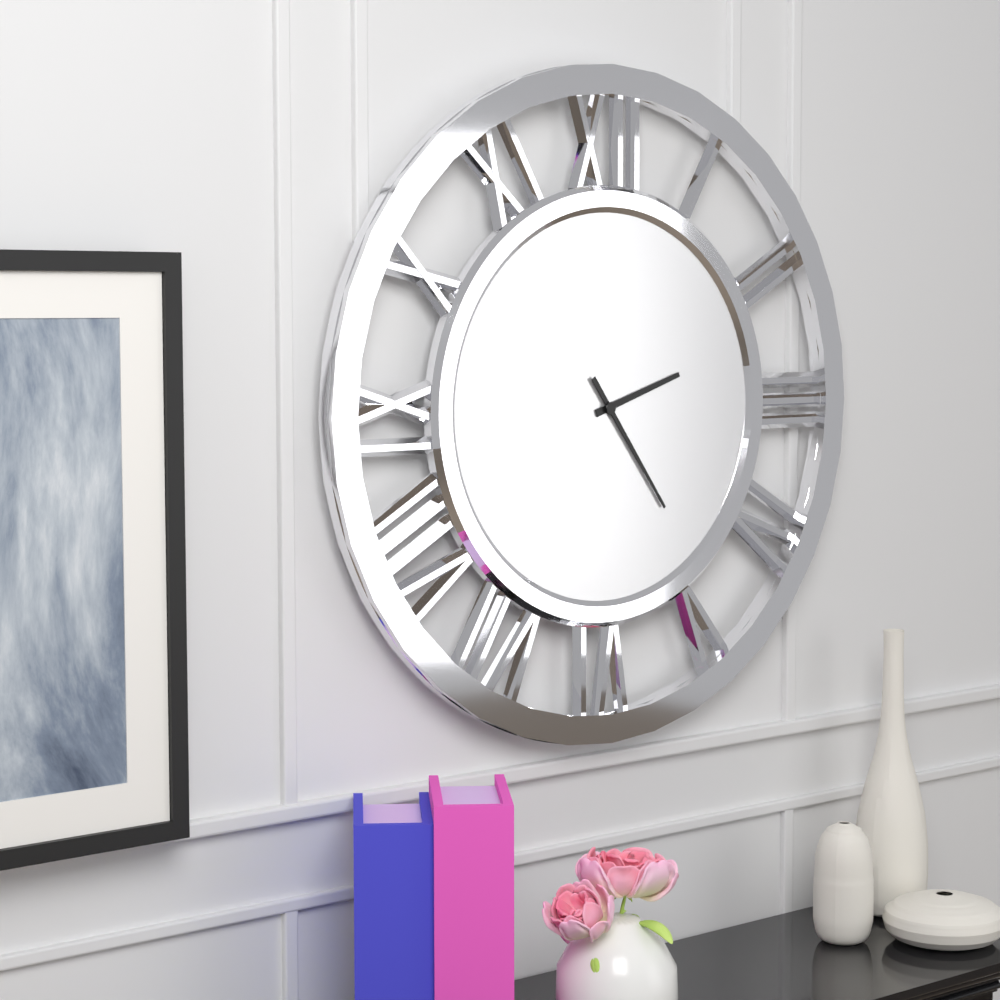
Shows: 2:24
